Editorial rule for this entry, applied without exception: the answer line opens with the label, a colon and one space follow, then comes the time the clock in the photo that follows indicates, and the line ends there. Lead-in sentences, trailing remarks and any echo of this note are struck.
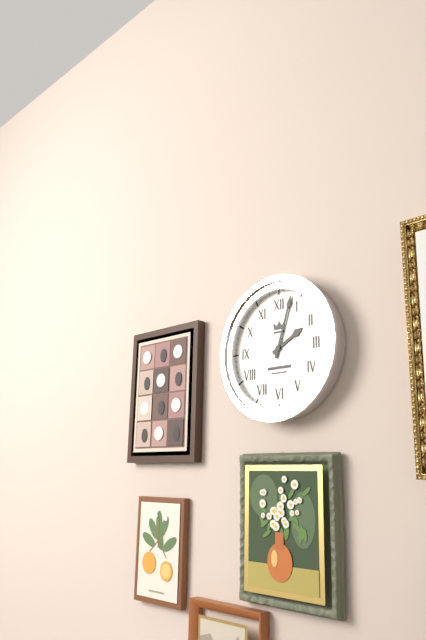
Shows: 2:03
